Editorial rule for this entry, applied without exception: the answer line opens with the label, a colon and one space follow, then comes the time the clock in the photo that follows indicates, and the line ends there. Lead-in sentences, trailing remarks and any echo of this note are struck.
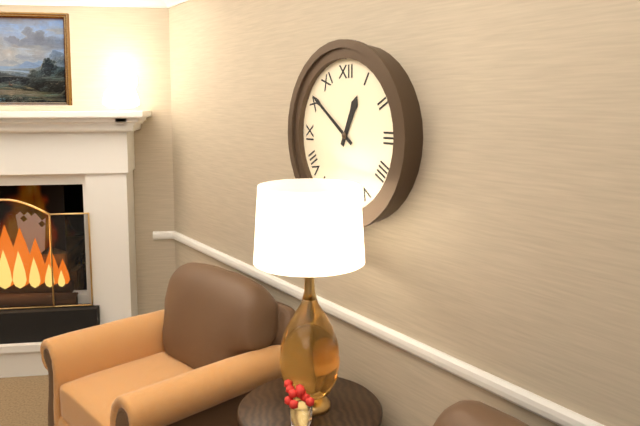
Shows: 12:51
